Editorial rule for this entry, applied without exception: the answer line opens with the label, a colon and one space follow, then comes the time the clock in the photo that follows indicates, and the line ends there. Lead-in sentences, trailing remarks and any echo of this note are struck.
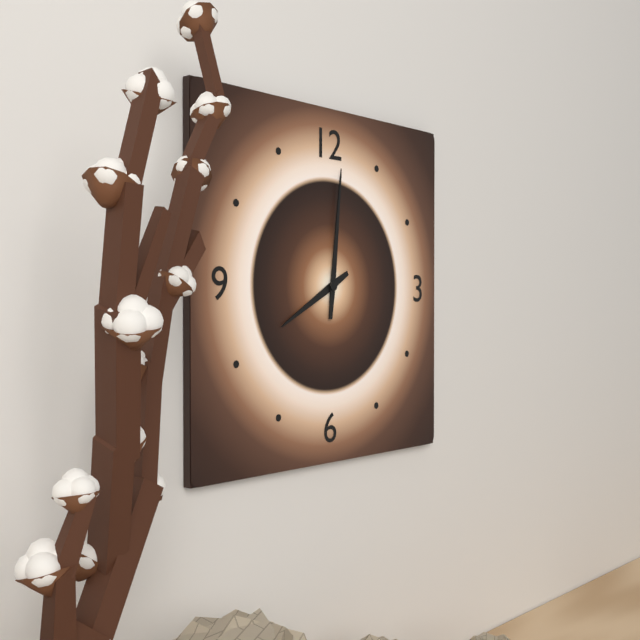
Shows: 8:01
